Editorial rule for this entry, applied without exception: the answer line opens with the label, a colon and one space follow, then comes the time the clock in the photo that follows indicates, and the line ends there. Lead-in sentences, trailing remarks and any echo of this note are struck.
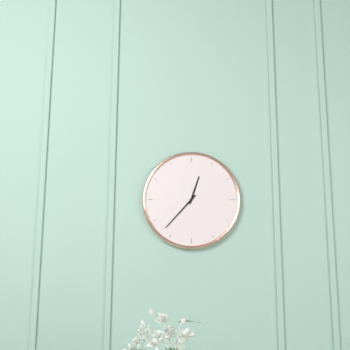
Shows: 12:37
